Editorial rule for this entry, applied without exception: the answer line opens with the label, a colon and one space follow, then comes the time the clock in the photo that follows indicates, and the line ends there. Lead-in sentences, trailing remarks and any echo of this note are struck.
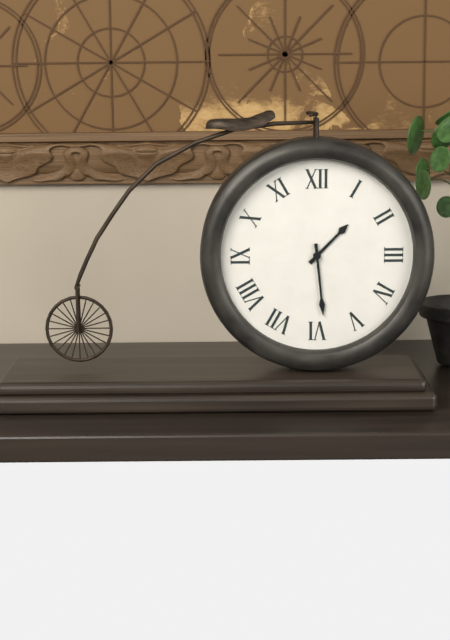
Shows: 1:29
